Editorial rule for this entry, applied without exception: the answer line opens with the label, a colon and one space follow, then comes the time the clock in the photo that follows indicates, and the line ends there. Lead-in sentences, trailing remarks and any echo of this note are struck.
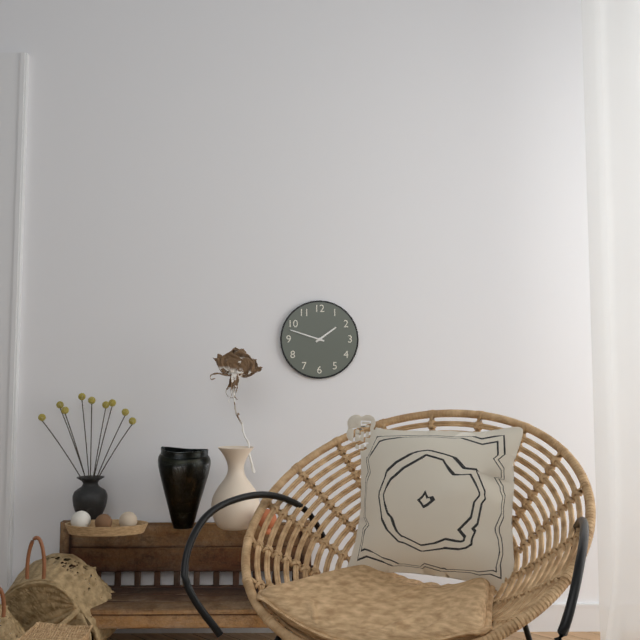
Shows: 1:48
